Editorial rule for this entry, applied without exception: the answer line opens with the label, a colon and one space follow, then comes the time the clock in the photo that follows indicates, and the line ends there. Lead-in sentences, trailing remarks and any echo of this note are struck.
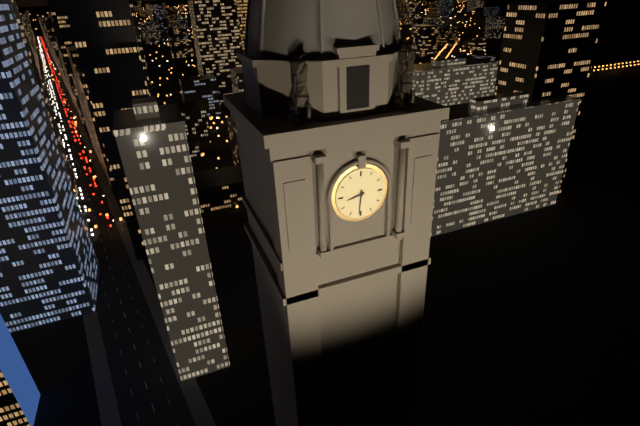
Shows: 8:31
